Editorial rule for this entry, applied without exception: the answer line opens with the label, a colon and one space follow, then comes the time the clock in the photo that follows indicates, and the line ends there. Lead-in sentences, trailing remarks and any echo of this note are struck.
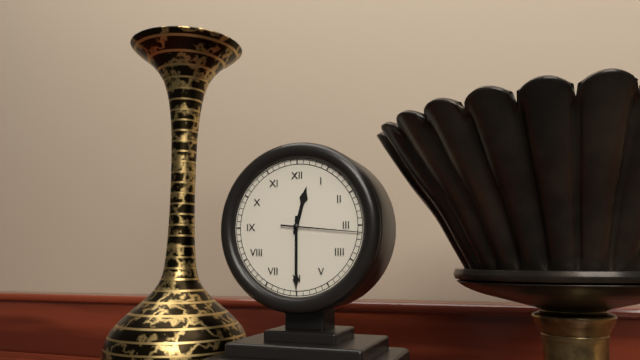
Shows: 12:30:16
